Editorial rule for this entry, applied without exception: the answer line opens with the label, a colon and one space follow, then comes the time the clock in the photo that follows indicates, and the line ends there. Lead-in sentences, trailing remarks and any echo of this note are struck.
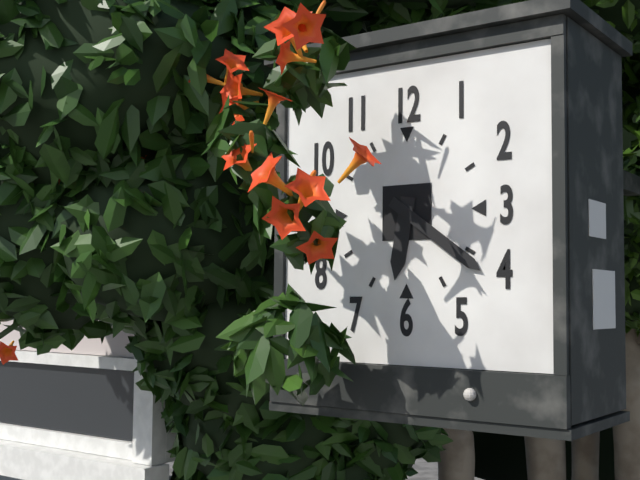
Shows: 6:21
